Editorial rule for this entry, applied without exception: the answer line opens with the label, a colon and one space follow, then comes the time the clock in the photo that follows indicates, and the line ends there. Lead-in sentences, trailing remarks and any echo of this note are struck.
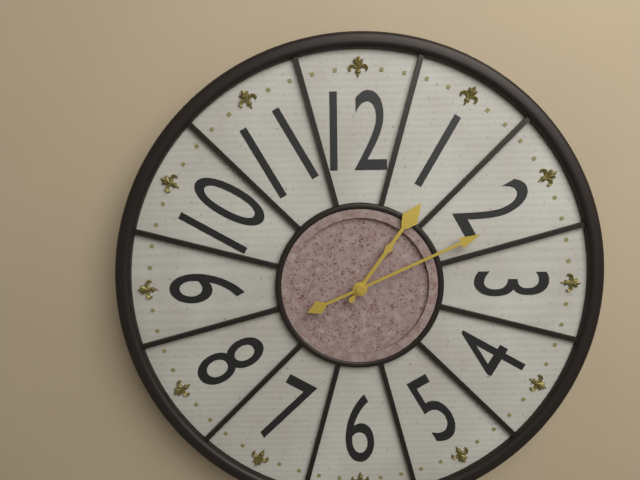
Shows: 1:11
